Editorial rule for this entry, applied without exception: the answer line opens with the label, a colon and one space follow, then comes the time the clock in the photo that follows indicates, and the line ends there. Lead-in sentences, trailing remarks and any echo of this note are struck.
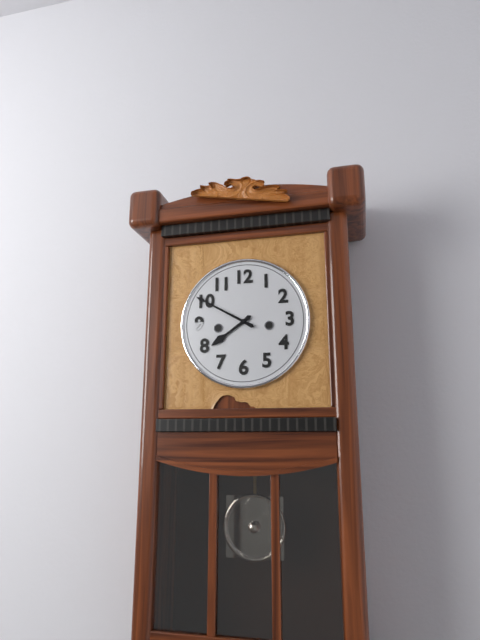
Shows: 7:50
